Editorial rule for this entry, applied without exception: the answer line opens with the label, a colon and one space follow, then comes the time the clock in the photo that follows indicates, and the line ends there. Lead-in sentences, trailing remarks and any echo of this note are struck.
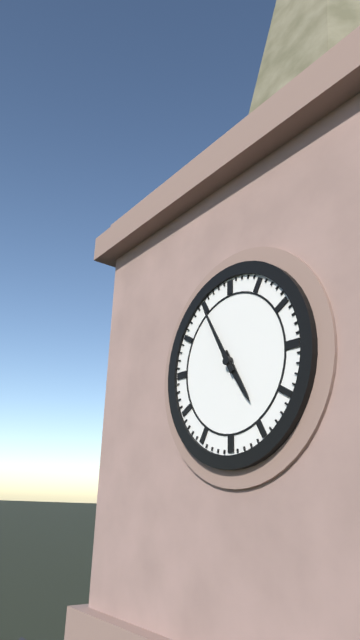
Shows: 4:55
